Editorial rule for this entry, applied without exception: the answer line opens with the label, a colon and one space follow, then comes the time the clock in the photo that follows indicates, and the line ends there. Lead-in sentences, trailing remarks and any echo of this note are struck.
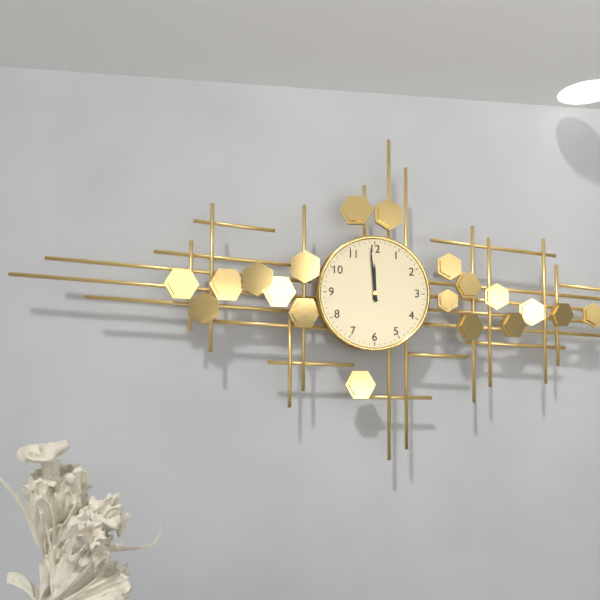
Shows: 11:59
